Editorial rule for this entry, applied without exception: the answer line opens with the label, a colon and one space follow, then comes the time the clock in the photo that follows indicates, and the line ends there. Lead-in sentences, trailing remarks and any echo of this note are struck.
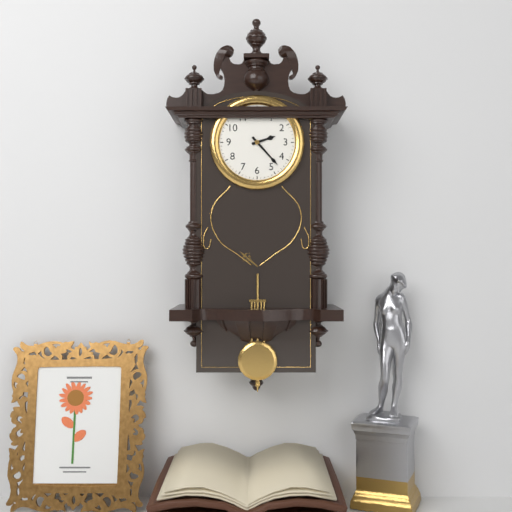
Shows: 2:23
